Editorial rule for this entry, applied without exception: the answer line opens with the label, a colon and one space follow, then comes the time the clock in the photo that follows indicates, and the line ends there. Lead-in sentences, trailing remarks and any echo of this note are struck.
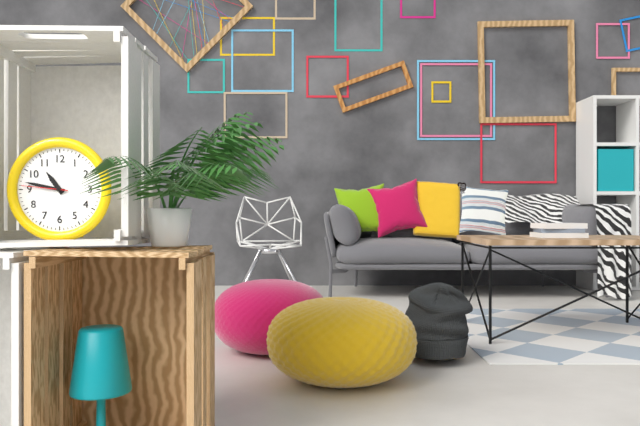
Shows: 10:47
